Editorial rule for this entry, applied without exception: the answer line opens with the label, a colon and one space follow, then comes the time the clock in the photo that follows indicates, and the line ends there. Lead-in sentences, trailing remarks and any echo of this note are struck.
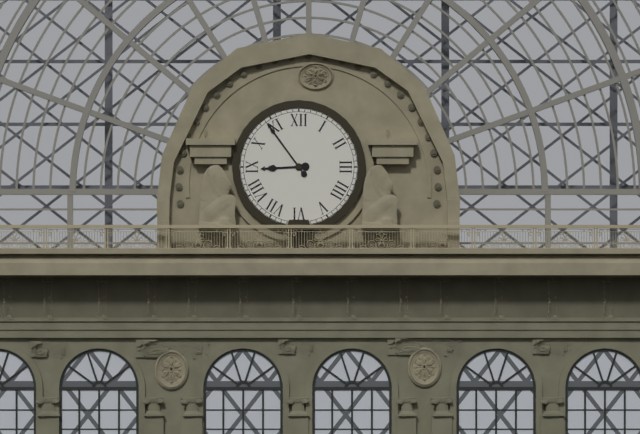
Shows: 8:54
